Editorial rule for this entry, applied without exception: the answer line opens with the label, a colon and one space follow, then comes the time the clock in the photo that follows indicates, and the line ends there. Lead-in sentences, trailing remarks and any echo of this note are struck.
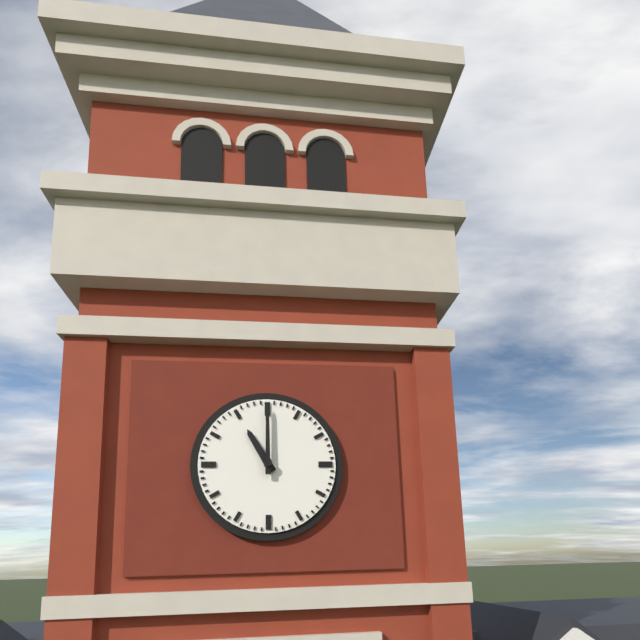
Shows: 11:00
